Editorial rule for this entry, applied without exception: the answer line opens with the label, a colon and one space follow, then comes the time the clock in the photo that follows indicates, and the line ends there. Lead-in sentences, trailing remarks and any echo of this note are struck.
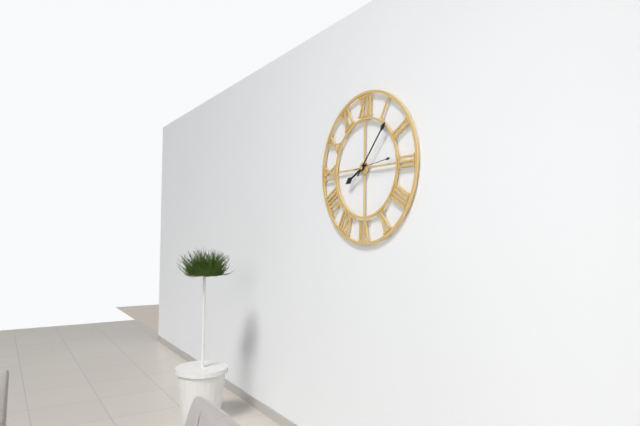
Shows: 8:07
